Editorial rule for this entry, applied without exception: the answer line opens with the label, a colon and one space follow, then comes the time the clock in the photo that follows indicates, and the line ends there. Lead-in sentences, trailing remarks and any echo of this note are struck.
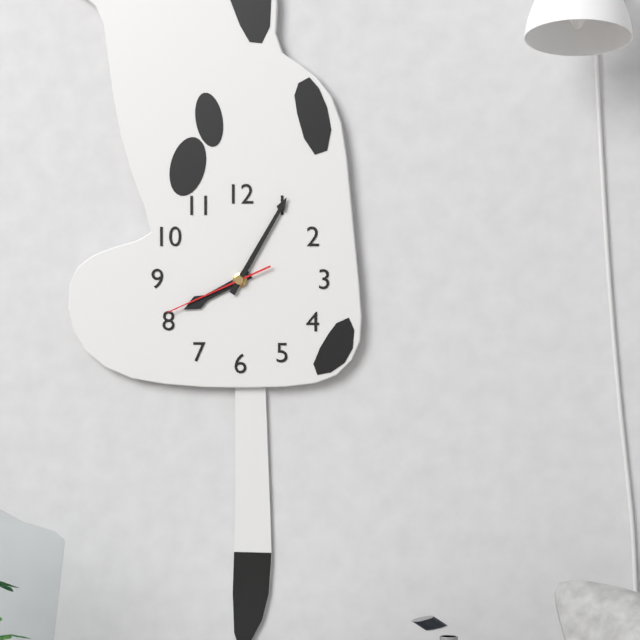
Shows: 8:05:41
